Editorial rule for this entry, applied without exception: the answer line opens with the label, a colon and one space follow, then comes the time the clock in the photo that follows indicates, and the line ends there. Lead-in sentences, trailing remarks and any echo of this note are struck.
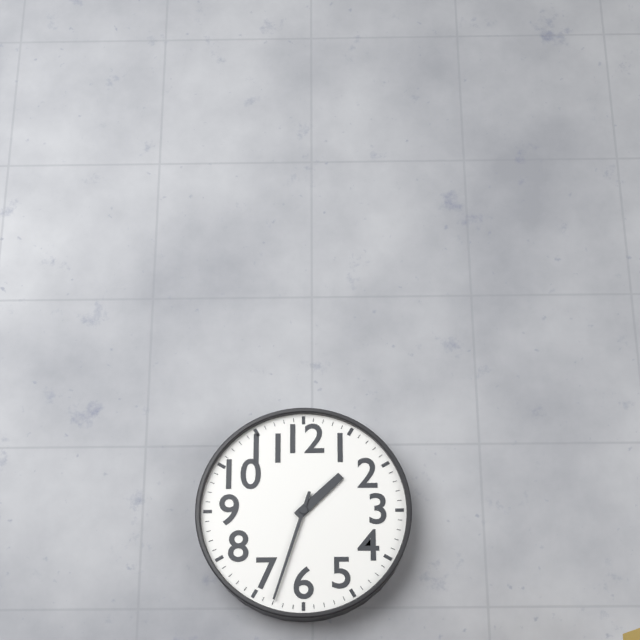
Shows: 1:33
